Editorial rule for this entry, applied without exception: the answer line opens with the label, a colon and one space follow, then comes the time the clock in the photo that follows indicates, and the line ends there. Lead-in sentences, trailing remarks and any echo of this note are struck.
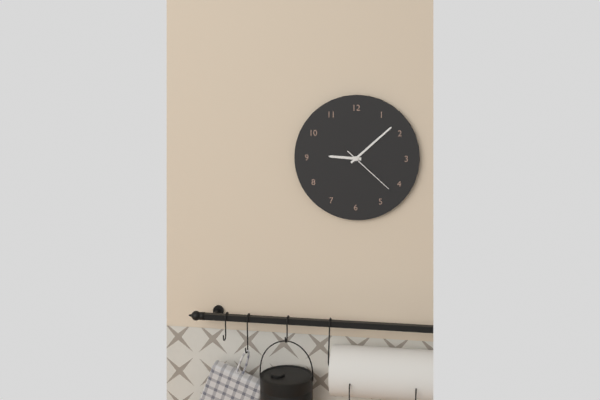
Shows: 9:08:22
